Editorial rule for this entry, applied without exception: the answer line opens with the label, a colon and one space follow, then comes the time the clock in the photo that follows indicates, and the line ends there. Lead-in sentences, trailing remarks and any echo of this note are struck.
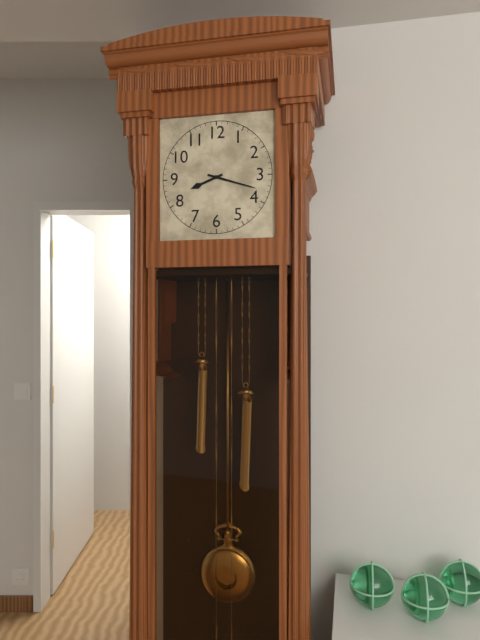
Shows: 8:18
